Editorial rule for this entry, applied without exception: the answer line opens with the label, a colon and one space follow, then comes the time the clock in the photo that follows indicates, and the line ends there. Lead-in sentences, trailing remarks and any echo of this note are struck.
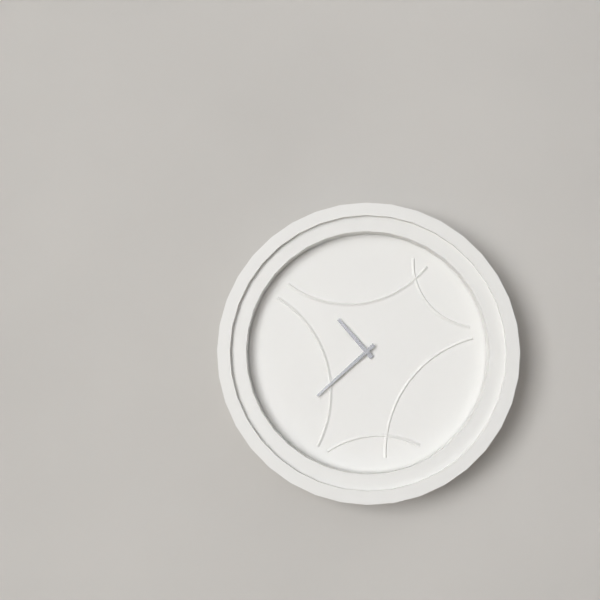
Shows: 10:38
